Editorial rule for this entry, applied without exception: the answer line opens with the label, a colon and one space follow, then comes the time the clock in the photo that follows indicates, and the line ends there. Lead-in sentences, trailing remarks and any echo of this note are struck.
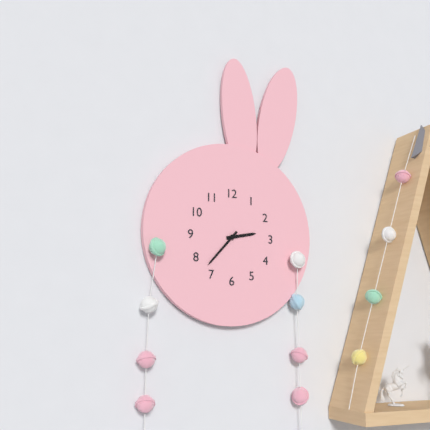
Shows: 2:37
